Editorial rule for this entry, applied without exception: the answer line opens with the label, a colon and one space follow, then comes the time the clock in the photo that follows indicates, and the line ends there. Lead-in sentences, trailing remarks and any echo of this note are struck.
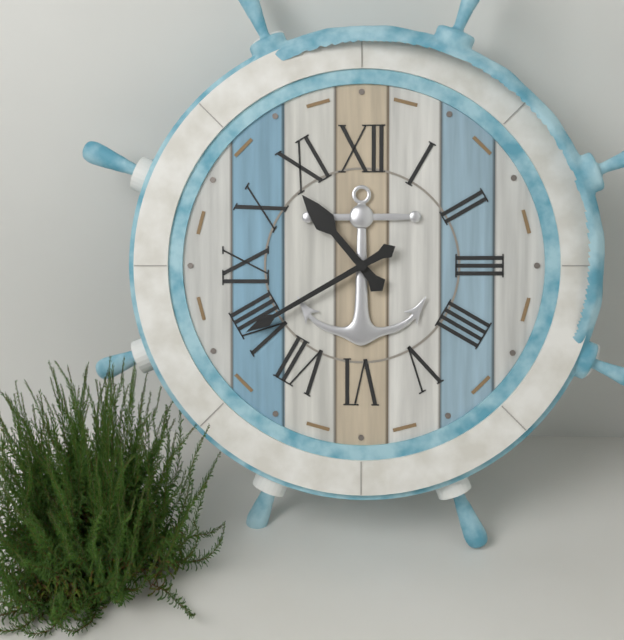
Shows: 10:40
